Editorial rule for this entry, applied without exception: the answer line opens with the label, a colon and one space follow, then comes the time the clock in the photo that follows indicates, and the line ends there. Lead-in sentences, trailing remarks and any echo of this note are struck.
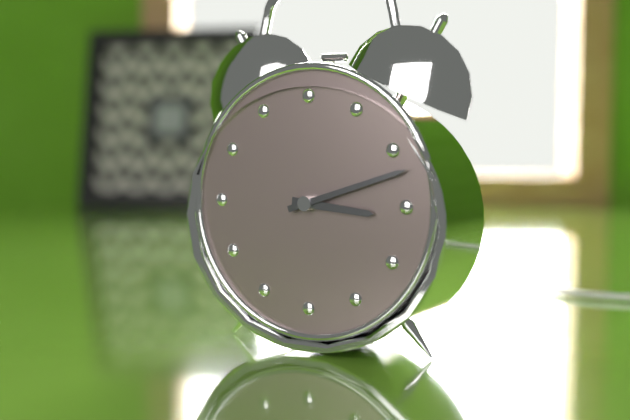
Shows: 3:12
